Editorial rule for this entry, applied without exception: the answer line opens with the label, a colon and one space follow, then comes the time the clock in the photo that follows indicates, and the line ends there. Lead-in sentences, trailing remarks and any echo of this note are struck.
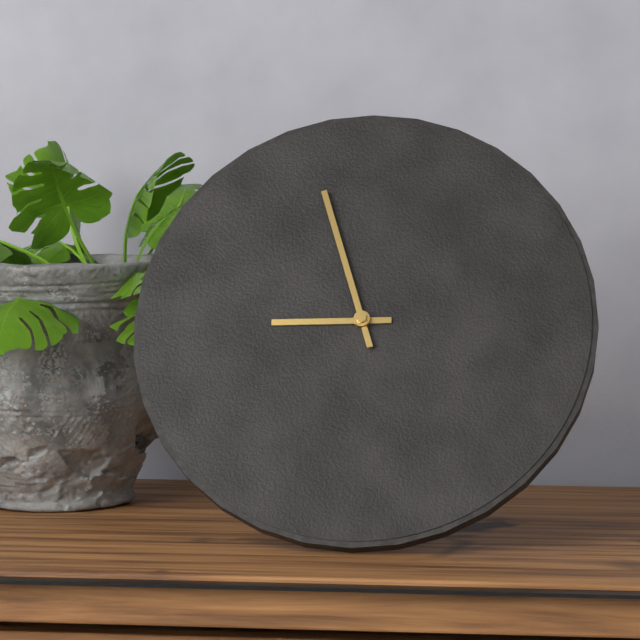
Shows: 8:57
